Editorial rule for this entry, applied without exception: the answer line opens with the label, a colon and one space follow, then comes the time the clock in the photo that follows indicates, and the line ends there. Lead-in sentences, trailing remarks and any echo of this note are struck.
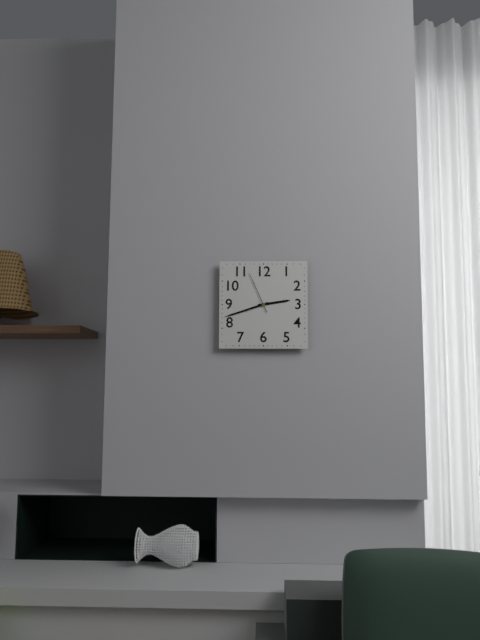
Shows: 2:42
